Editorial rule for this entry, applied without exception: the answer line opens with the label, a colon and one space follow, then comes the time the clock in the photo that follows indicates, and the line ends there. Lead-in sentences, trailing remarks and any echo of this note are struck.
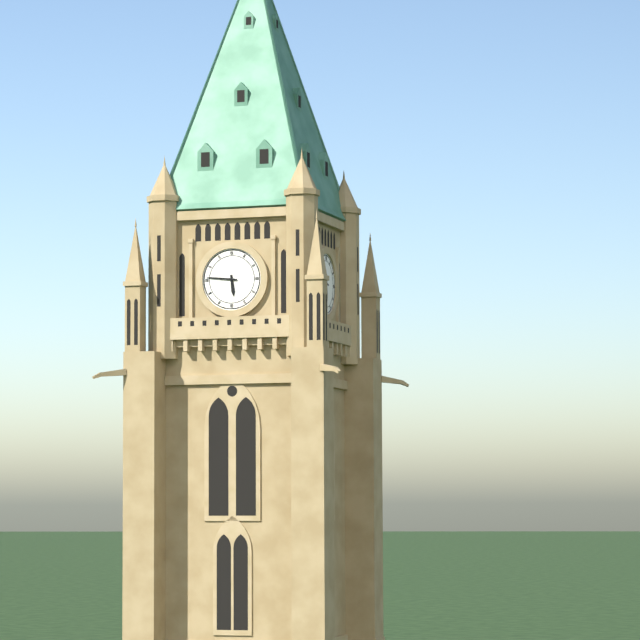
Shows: 5:46
